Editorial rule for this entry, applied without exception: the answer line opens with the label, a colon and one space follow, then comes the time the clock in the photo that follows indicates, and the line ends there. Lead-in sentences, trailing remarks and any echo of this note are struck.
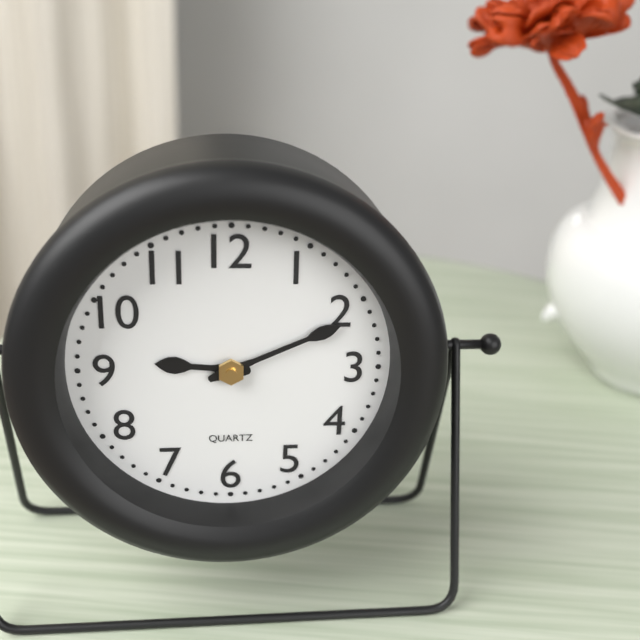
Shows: 9:11
